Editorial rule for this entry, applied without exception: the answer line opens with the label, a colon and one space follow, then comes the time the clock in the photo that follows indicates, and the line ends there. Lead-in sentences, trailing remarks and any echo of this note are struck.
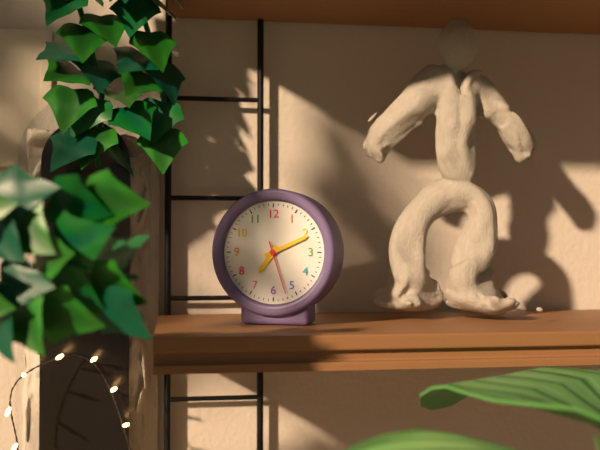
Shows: 7:11:27
